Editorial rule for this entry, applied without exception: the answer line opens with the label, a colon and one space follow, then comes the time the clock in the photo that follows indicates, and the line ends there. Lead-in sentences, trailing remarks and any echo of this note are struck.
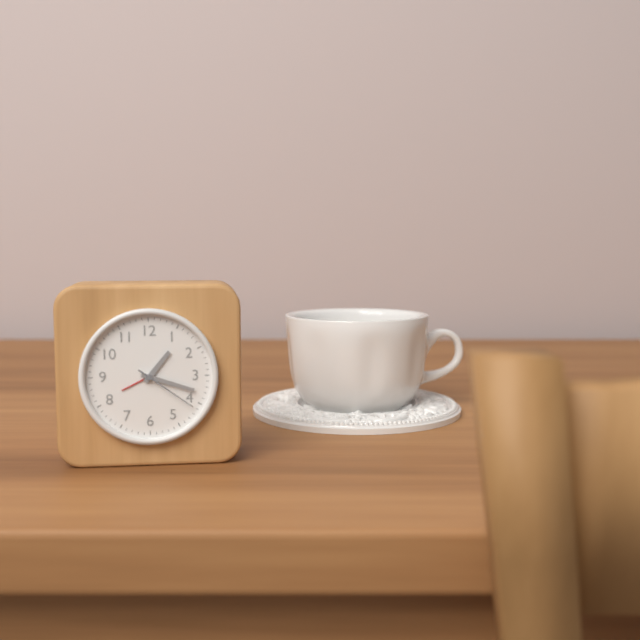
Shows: 1:18:21
